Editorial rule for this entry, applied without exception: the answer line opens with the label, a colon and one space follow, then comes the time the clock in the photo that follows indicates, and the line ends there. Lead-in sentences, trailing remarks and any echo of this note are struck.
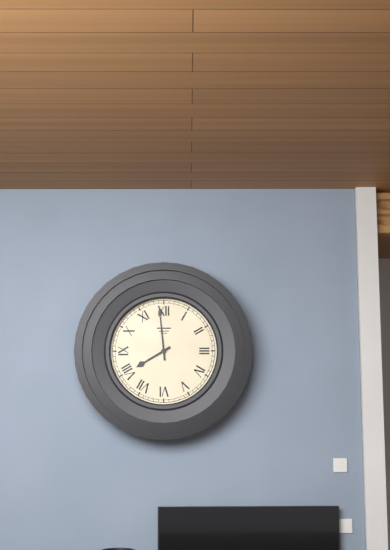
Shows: 7:59
